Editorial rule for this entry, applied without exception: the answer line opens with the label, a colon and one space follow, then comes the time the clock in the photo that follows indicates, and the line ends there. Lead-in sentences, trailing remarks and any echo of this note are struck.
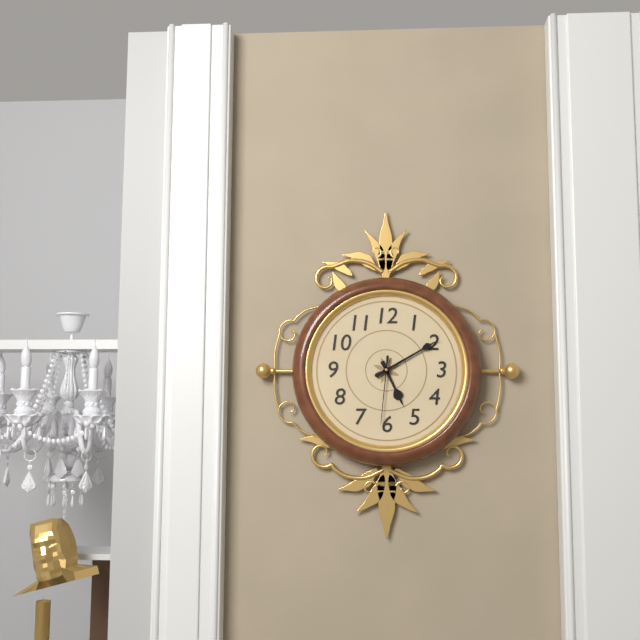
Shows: 5:10:31
